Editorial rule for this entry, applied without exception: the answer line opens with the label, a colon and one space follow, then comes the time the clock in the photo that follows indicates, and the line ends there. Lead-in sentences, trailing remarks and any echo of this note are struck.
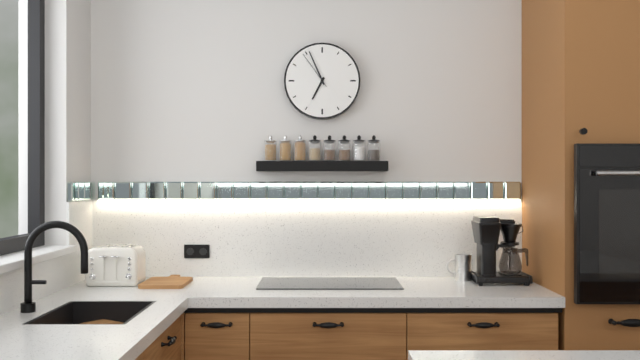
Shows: 6:56
